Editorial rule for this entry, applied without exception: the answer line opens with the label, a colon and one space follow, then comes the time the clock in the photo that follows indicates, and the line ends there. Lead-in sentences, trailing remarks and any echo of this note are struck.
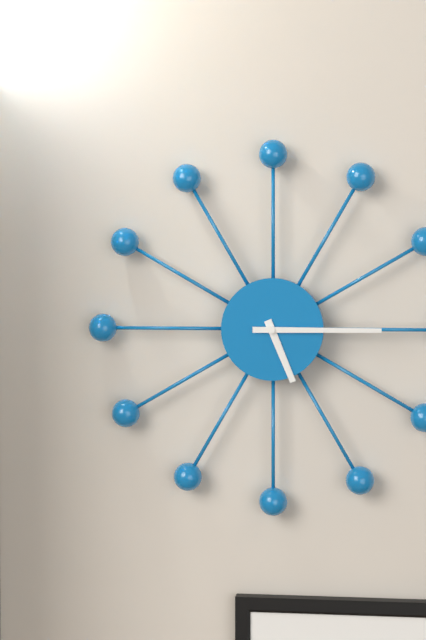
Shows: 5:15
